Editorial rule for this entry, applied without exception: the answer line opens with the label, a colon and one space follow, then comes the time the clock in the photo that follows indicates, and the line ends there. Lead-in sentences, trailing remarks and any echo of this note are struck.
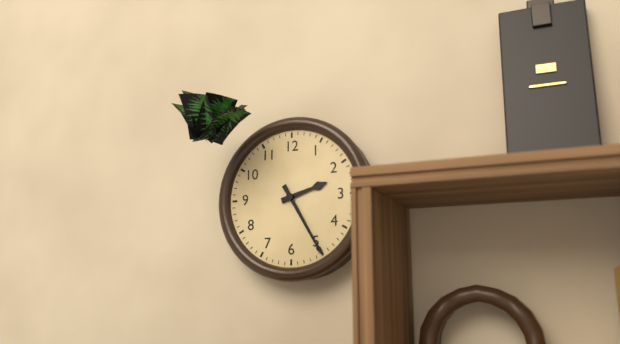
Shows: 2:25
